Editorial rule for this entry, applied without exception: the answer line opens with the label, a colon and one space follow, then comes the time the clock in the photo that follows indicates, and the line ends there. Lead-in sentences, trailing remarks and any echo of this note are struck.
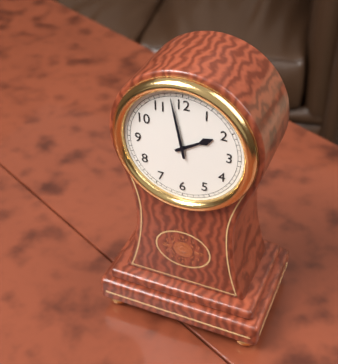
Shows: 1:58
